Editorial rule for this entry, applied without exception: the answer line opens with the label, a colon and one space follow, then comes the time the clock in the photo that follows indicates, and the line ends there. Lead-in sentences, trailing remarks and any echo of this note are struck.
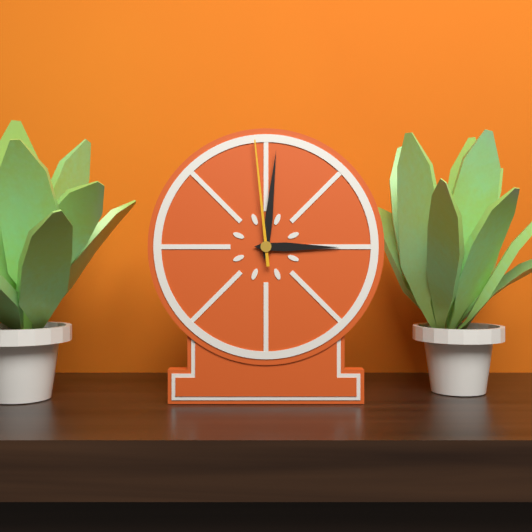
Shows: 3:01:59
